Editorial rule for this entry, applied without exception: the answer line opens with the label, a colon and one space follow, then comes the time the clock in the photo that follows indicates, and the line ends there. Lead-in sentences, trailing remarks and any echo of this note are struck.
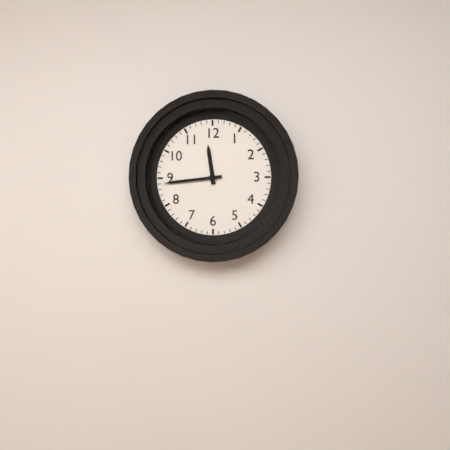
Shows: 11:44
